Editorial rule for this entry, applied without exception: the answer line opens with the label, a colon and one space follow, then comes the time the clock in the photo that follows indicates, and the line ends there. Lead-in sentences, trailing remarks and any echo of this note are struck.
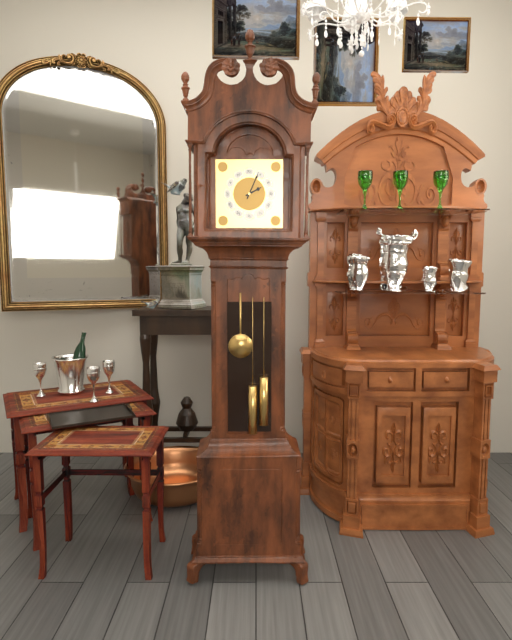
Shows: 2:04
